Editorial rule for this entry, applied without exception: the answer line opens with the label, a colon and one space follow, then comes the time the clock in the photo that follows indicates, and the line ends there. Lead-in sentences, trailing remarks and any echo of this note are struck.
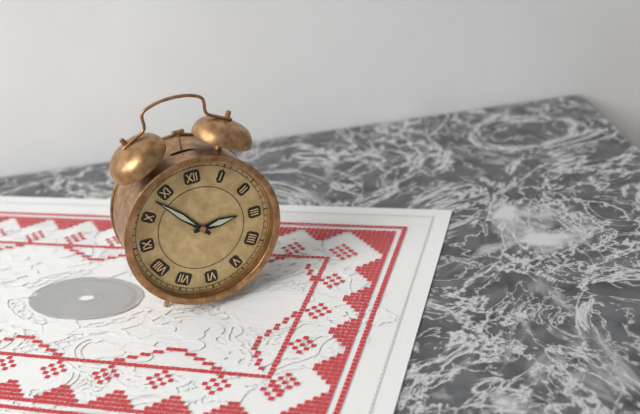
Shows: 2:53
